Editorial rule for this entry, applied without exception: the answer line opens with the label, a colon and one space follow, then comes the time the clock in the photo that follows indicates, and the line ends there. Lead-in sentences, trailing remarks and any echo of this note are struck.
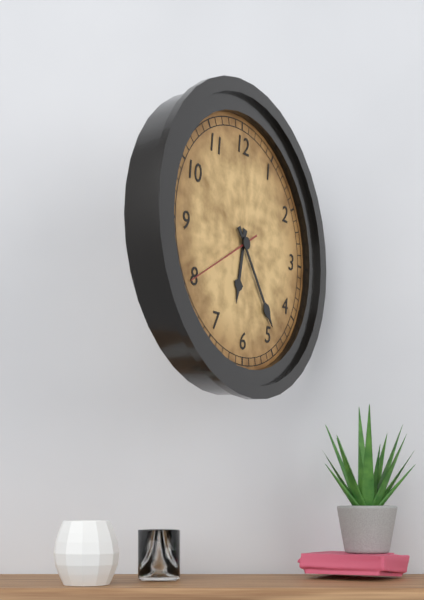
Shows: 6:24:40
